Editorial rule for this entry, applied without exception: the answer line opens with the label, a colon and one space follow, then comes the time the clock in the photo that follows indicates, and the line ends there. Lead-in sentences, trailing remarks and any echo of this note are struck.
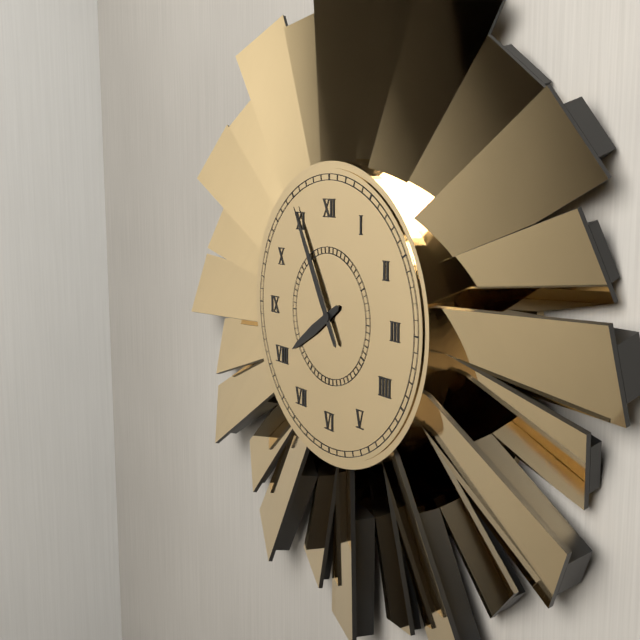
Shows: 7:55
